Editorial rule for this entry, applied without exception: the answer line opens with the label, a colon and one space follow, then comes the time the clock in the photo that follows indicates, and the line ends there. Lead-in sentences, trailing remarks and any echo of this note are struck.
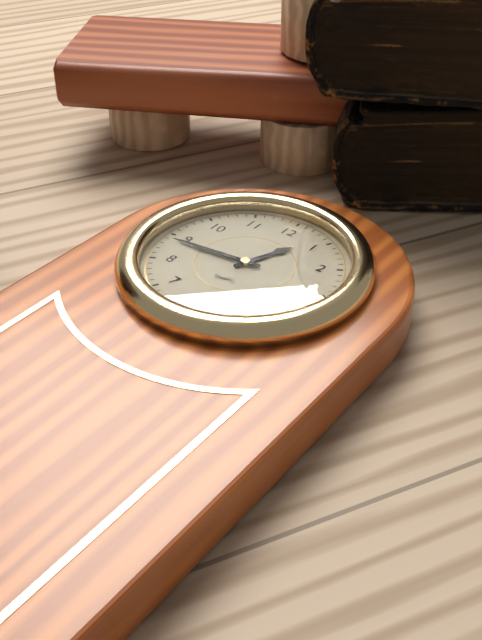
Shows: 12:44
